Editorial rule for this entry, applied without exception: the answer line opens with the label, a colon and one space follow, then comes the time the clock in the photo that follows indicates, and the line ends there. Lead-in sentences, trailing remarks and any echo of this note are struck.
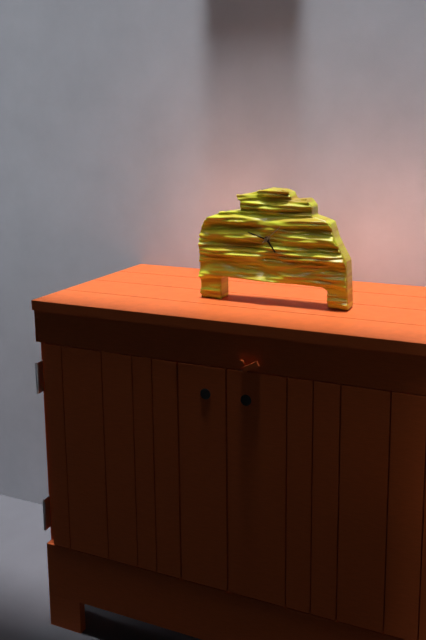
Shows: 4:48
